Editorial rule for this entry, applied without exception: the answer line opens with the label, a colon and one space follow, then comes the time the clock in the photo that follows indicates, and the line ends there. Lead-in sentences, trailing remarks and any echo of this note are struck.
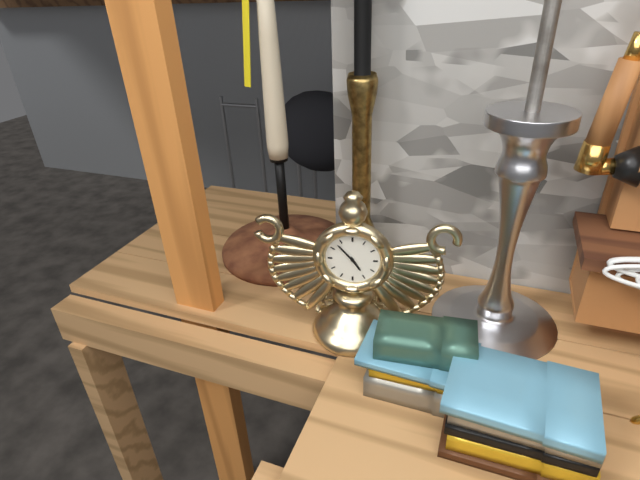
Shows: 4:53
